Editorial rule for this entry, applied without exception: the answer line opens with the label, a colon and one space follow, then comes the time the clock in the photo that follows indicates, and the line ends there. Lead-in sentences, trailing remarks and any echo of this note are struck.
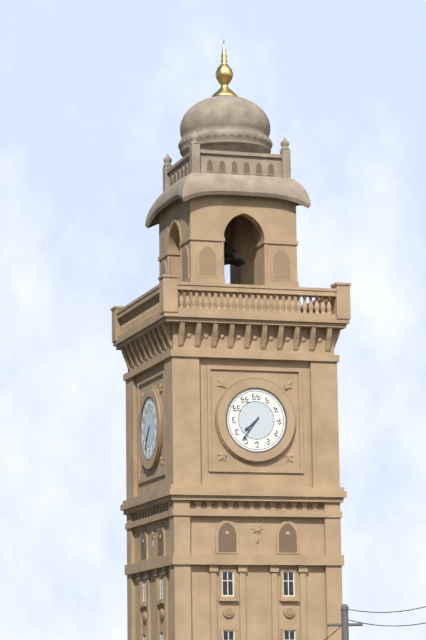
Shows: 7:36
